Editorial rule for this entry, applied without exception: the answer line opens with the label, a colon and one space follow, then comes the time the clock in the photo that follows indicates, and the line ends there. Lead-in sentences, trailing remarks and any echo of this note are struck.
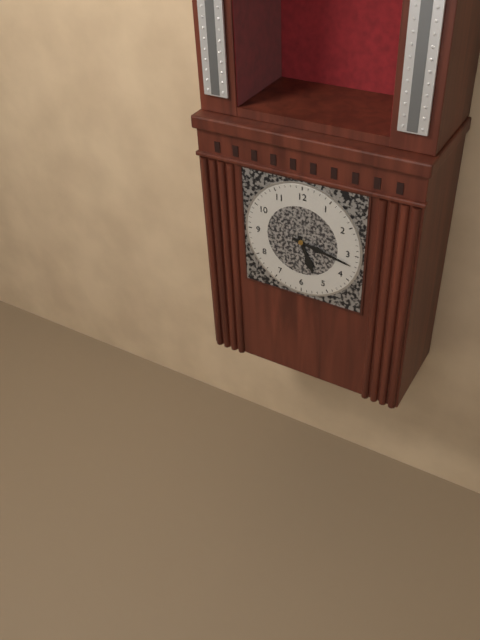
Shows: 5:17
